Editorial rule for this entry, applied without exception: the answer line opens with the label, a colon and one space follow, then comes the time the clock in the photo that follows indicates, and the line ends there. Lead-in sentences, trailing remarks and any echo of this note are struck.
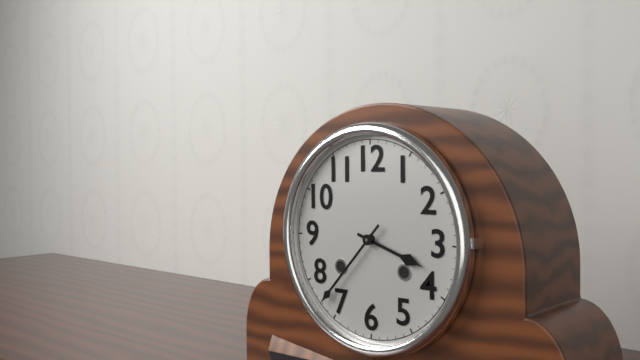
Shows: 3:37
